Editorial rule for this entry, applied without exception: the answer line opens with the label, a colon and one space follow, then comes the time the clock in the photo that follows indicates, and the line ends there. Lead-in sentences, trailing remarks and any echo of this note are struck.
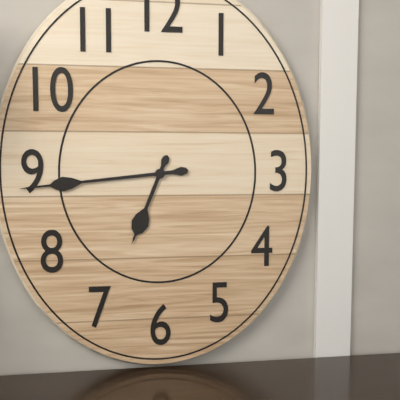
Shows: 6:44
